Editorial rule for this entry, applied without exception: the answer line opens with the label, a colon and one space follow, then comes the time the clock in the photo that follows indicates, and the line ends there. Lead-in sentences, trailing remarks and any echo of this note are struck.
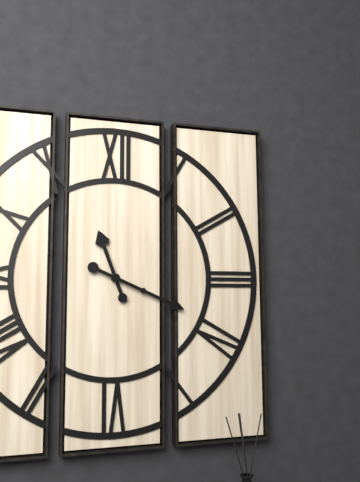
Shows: 11:19
